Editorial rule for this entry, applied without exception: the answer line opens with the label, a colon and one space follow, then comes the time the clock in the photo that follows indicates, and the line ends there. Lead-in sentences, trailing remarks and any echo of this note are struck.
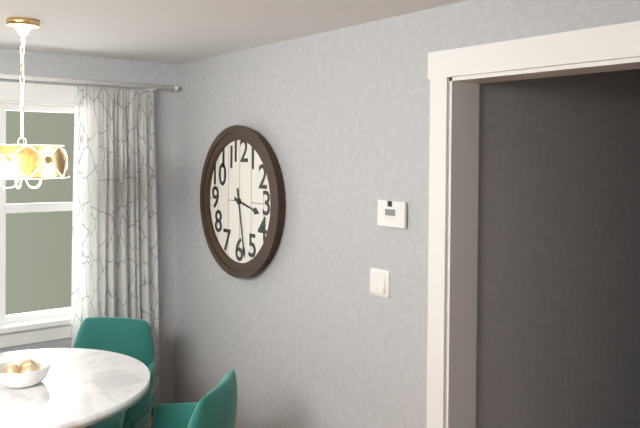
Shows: 3:28
